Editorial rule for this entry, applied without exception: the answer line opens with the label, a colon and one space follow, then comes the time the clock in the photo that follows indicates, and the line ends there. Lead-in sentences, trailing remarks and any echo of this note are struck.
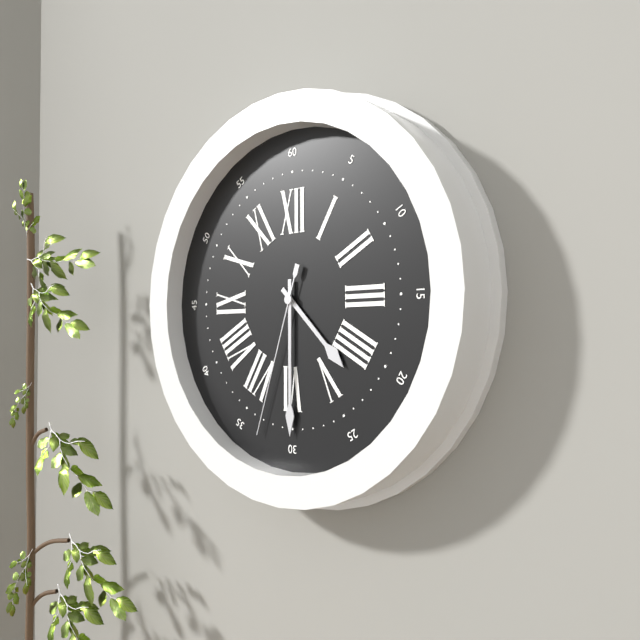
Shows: 4:30:33
